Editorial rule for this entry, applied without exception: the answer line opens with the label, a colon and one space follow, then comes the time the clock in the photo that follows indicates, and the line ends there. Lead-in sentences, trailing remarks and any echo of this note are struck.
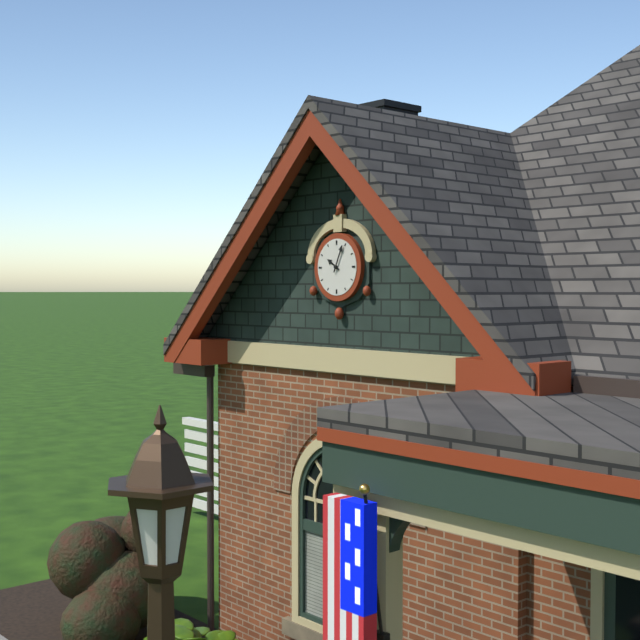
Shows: 10:04
